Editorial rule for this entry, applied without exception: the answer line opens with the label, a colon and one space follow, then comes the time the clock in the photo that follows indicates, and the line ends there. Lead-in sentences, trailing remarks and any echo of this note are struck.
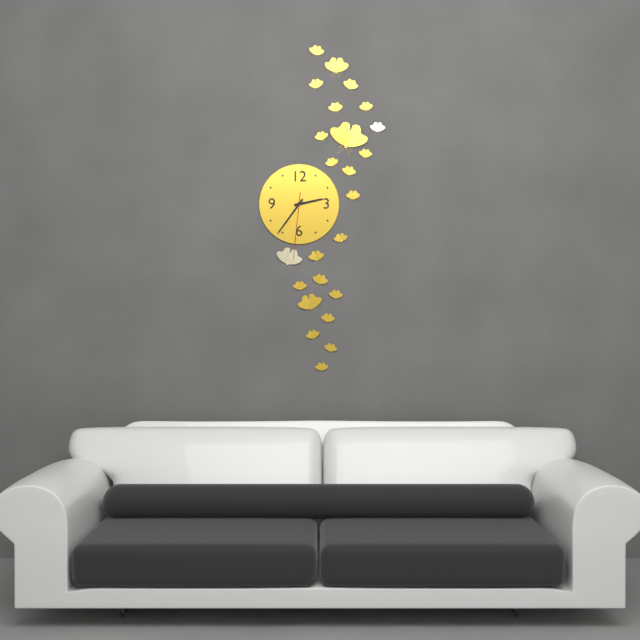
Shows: 2:36:31
